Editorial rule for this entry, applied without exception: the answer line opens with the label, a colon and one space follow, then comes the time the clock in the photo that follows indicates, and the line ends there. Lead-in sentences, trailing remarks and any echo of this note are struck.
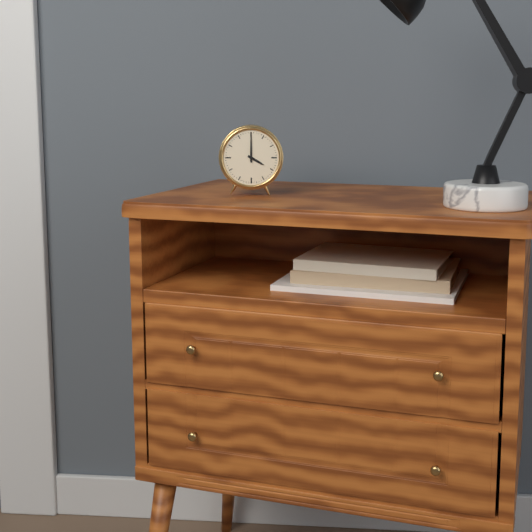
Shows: 4:00
